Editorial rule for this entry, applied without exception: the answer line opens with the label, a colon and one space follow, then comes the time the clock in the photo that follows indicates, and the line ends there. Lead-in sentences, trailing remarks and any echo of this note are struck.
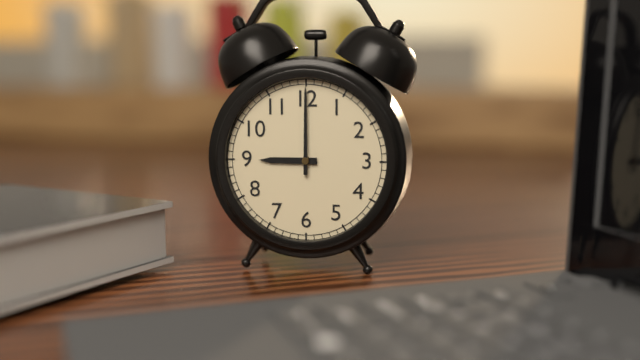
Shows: 9:00
